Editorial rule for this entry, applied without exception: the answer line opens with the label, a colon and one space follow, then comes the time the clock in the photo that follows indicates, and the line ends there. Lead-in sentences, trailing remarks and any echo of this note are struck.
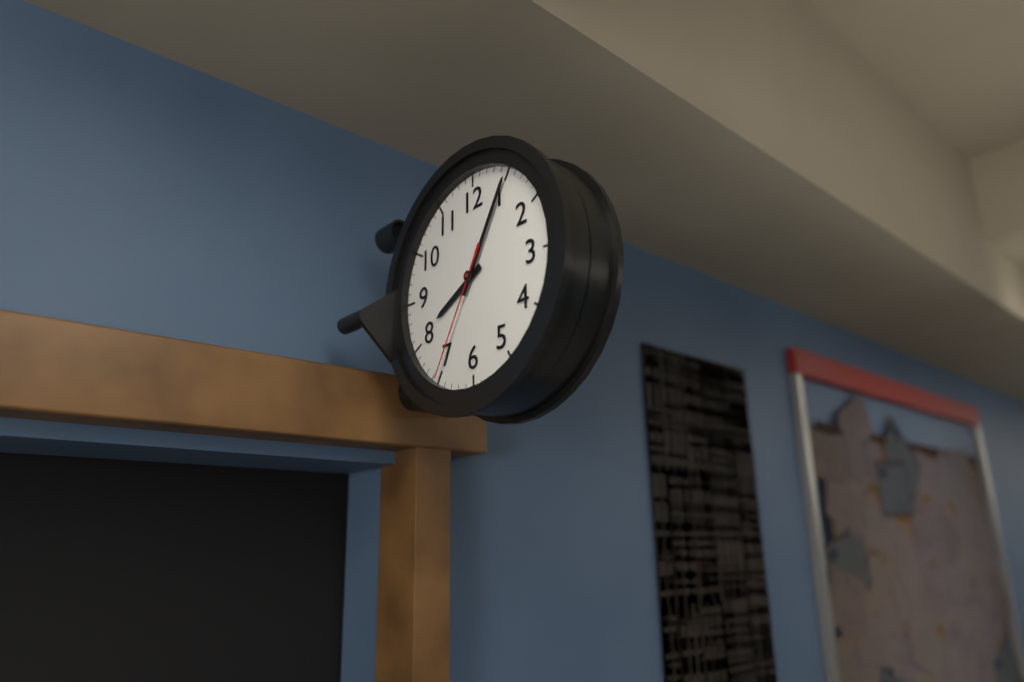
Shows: 8:05:35
